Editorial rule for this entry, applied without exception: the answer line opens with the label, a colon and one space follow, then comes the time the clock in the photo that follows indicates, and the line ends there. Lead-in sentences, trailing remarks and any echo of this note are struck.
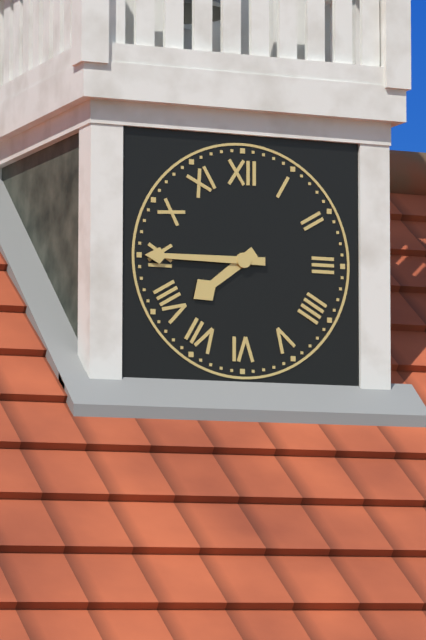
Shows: 7:45
